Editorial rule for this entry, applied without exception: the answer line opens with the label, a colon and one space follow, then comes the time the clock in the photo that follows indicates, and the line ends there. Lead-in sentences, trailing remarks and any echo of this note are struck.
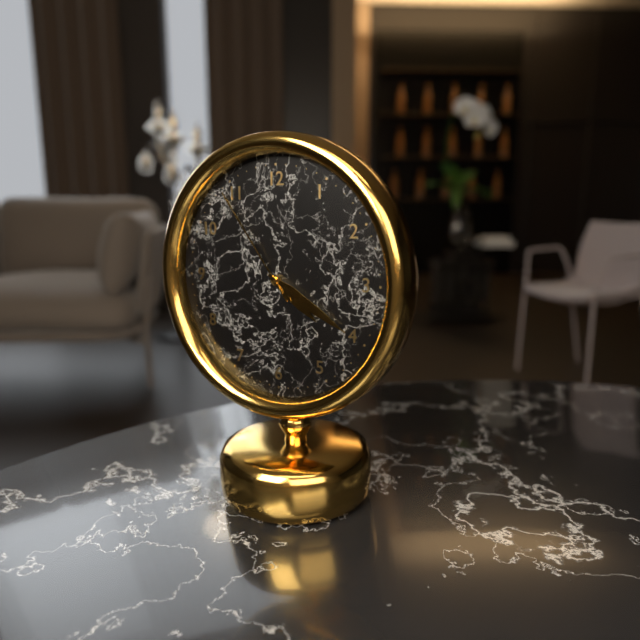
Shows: 4:20:54
